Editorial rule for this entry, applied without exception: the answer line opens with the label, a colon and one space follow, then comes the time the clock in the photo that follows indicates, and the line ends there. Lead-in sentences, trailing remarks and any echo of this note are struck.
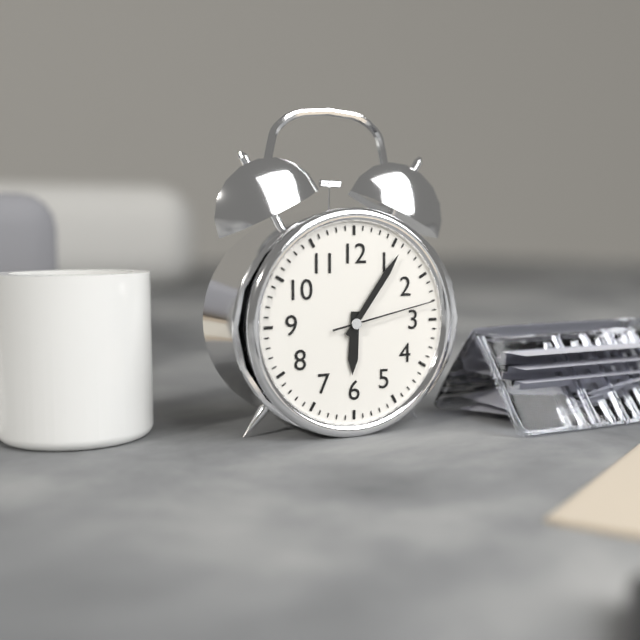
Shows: 6:06:13
